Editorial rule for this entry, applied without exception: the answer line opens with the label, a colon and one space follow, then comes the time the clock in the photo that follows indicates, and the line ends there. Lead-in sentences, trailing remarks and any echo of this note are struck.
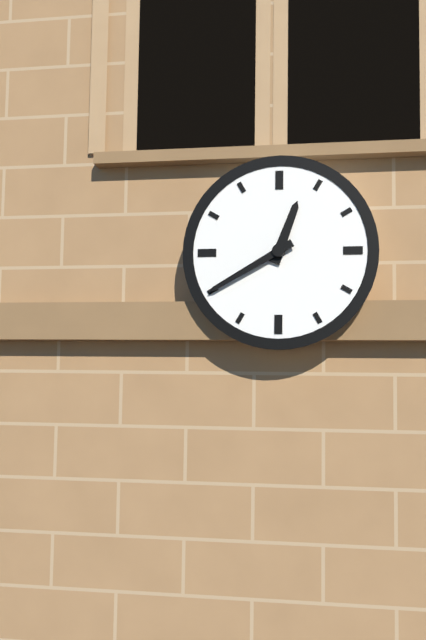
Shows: 12:40
